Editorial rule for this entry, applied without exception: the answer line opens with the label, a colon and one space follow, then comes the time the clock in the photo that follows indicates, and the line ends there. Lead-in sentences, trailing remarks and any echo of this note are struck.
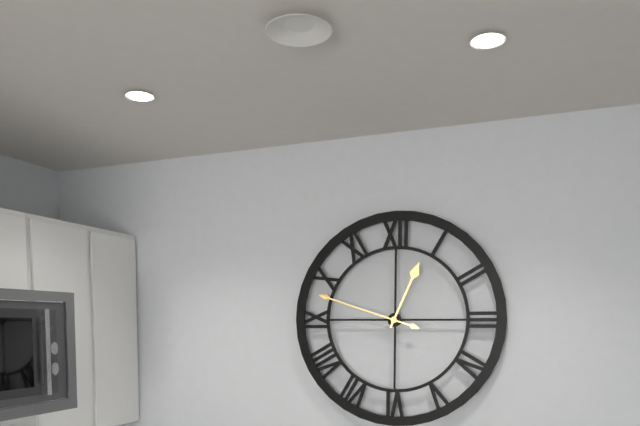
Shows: 12:48
